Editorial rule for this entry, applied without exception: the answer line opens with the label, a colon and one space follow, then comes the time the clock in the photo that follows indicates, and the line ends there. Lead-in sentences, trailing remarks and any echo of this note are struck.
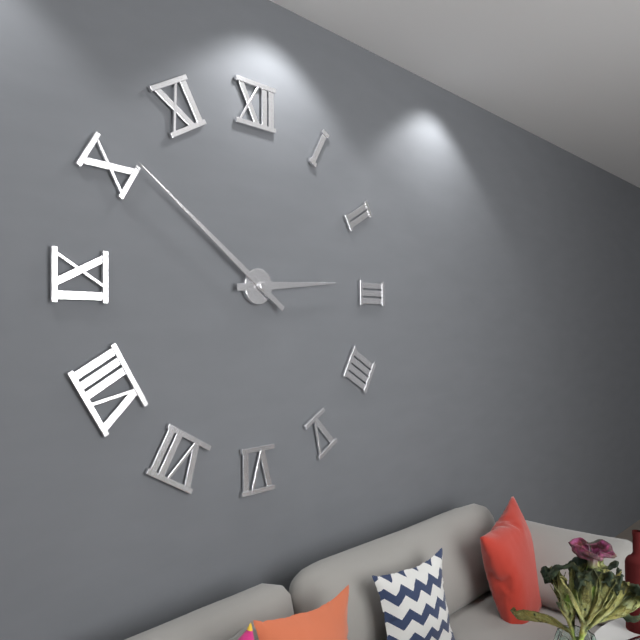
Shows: 2:51
